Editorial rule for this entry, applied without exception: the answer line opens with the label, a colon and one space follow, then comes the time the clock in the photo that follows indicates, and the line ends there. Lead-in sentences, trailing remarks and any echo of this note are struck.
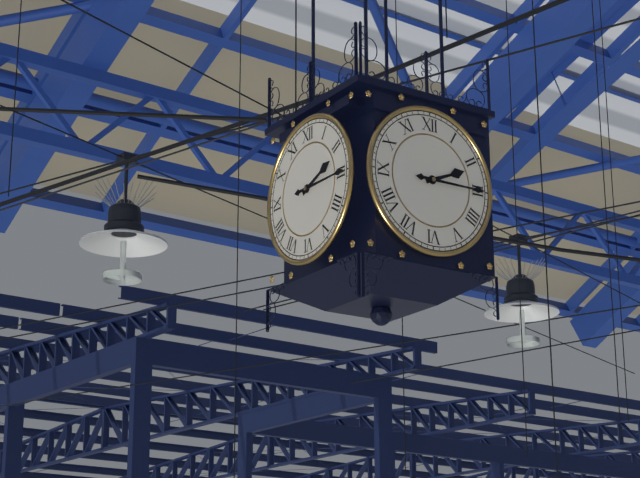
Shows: 2:15
